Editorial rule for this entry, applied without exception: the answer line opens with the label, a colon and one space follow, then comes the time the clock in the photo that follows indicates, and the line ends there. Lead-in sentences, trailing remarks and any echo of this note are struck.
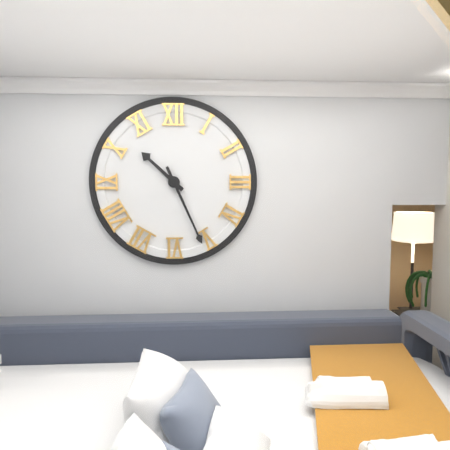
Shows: 10:26
